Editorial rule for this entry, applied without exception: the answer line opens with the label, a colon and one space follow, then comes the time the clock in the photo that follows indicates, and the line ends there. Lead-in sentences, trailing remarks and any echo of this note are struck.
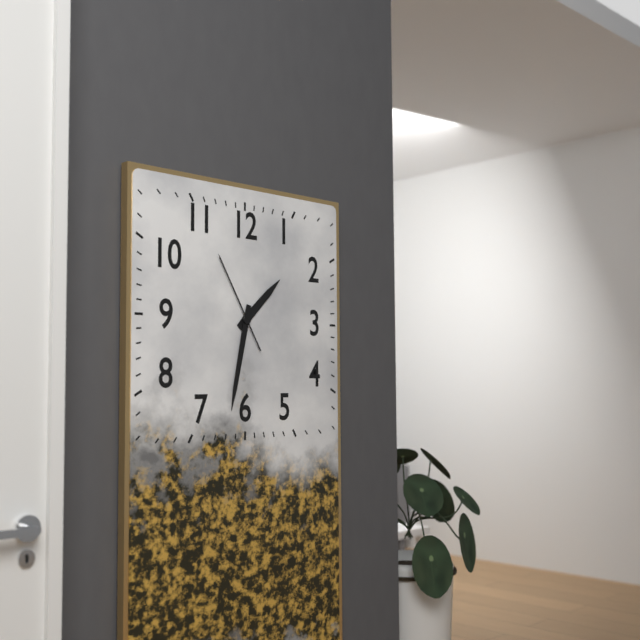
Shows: 1:32:55
